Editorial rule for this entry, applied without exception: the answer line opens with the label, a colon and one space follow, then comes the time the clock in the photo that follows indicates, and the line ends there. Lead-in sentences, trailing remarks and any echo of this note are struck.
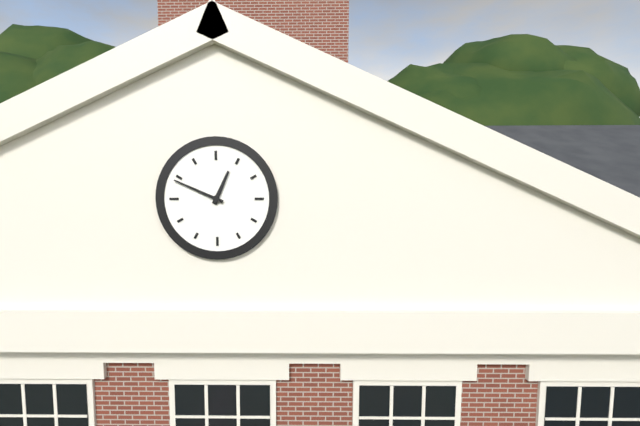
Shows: 12:49
